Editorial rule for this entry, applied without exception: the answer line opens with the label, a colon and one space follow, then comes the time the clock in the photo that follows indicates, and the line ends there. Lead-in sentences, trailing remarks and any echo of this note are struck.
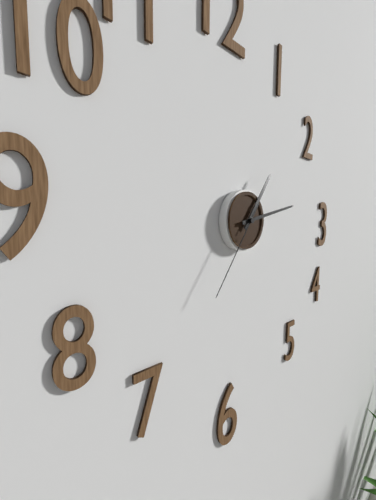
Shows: 1:13:36
